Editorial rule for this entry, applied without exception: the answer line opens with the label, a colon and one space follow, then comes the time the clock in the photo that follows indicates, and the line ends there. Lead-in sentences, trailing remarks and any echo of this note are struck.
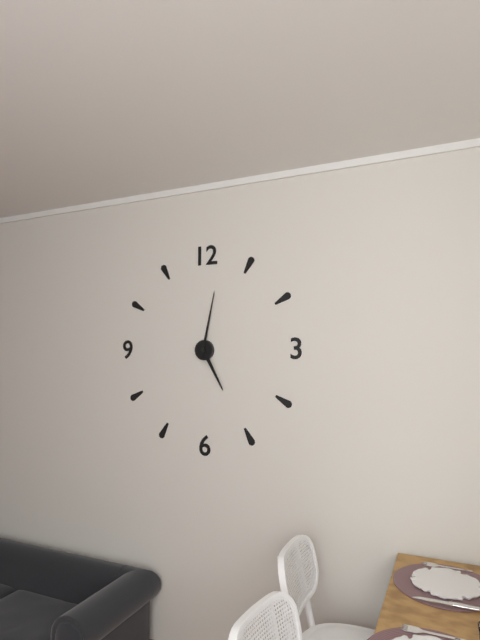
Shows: 5:02
